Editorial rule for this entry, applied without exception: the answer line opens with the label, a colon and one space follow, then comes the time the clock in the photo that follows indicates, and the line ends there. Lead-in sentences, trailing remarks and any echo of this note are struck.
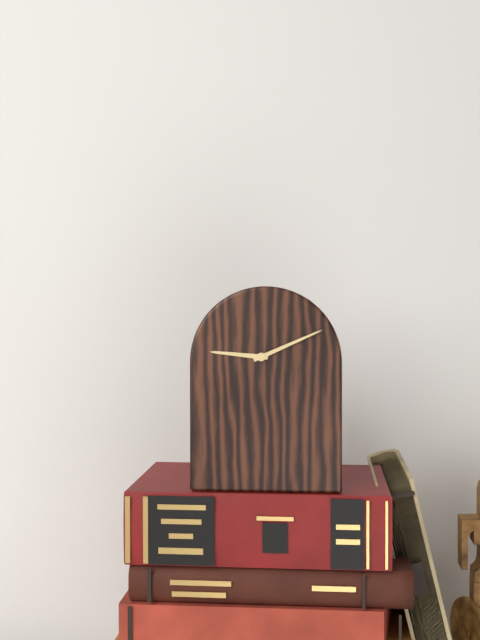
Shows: 9:11
